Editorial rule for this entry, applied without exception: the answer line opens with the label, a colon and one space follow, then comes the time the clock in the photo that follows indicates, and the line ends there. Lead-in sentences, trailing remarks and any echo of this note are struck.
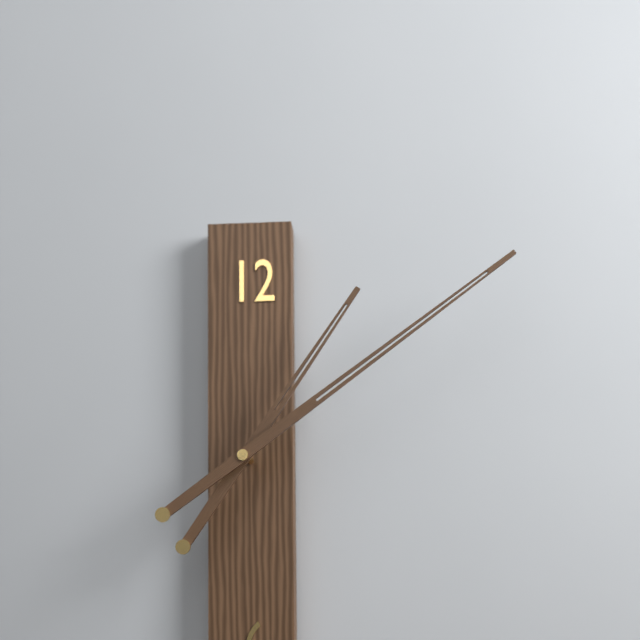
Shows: 1:09
